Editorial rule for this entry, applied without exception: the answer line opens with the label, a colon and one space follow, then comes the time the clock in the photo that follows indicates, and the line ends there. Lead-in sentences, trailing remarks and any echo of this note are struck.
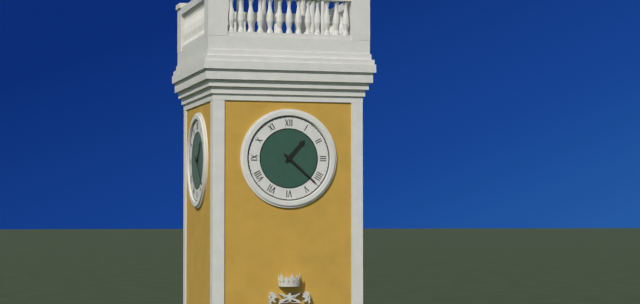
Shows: 1:22
